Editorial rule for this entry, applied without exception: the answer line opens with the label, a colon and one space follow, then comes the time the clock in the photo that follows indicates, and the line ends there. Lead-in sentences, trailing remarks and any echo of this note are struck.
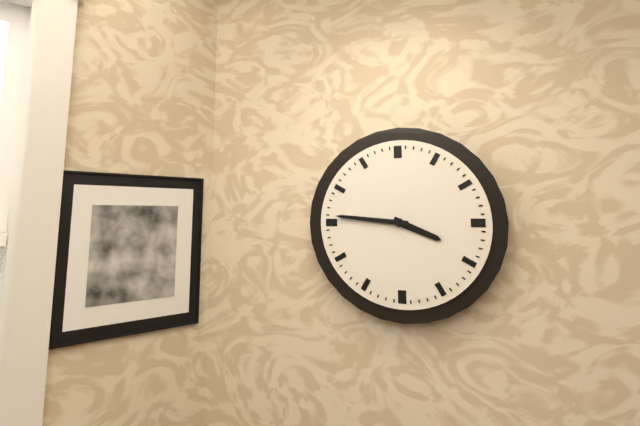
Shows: 3:46
